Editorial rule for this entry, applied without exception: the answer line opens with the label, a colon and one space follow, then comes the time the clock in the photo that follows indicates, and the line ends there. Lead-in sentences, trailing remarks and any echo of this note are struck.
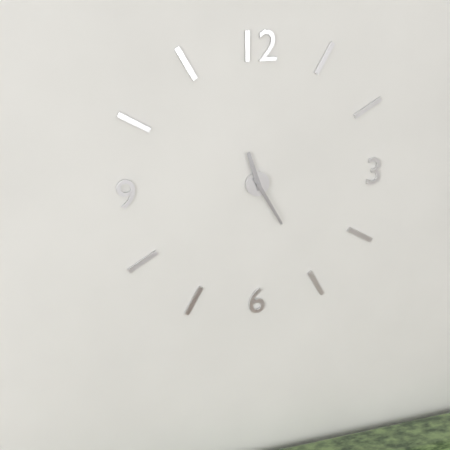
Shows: 11:25
